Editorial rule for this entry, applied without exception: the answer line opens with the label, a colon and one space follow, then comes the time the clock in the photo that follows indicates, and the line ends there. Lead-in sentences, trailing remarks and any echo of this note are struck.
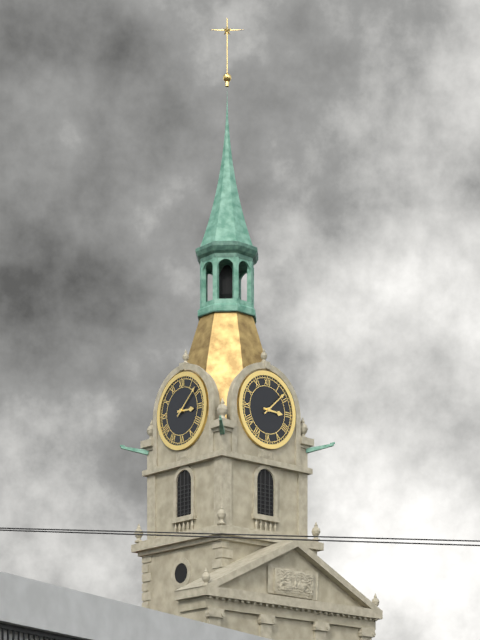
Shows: 3:08
